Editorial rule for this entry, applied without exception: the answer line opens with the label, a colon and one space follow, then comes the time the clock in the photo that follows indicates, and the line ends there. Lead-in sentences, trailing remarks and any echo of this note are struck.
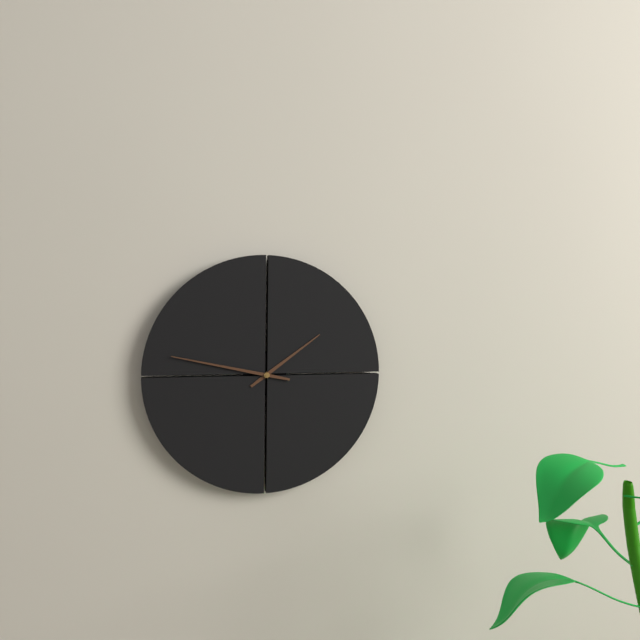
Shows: 1:47
